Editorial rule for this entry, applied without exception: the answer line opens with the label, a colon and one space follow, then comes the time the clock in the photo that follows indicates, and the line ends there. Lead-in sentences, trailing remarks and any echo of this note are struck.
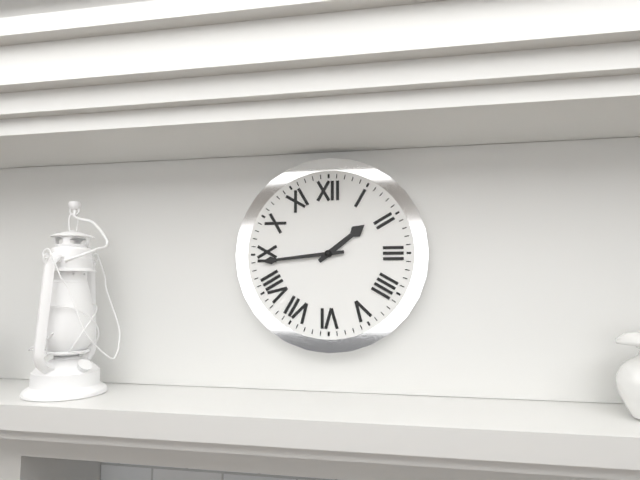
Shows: 1:44
